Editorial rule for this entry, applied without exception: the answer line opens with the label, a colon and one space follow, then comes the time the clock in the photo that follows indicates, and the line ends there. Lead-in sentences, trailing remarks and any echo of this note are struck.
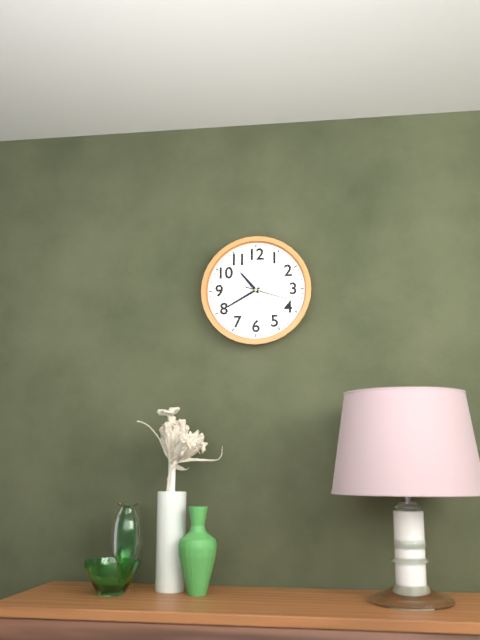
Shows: 10:40:18
